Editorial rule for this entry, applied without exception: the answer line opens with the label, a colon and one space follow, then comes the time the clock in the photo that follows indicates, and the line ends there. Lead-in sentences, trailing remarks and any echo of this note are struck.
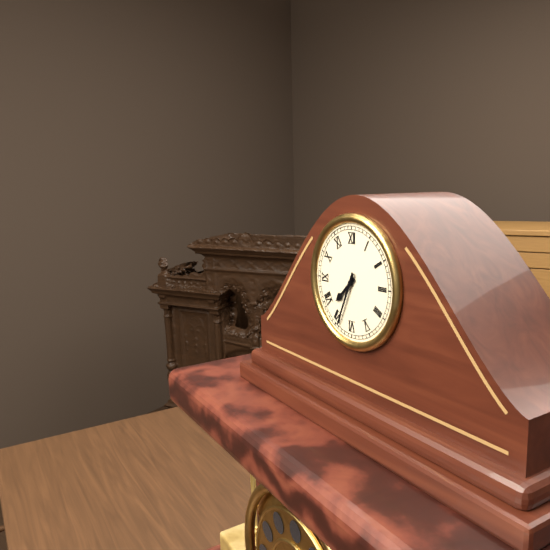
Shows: 7:34
